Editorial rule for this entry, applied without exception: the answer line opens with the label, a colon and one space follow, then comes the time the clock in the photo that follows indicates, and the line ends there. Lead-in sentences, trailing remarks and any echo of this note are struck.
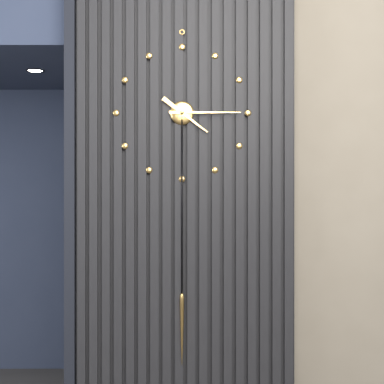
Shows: 4:15
